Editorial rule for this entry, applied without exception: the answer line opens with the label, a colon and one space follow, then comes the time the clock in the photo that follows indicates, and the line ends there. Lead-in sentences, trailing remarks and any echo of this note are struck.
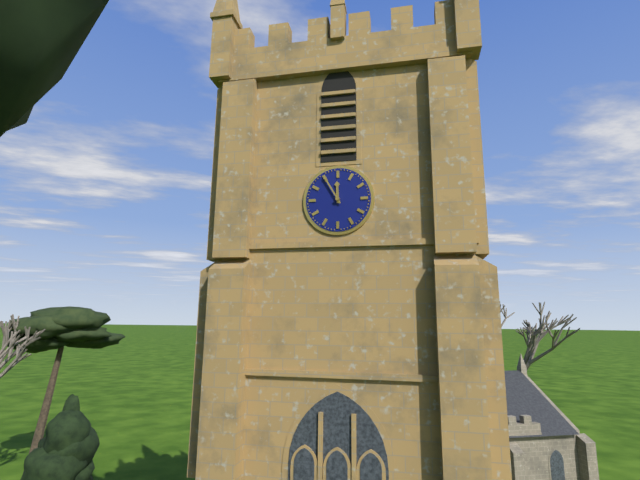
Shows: 11:55
